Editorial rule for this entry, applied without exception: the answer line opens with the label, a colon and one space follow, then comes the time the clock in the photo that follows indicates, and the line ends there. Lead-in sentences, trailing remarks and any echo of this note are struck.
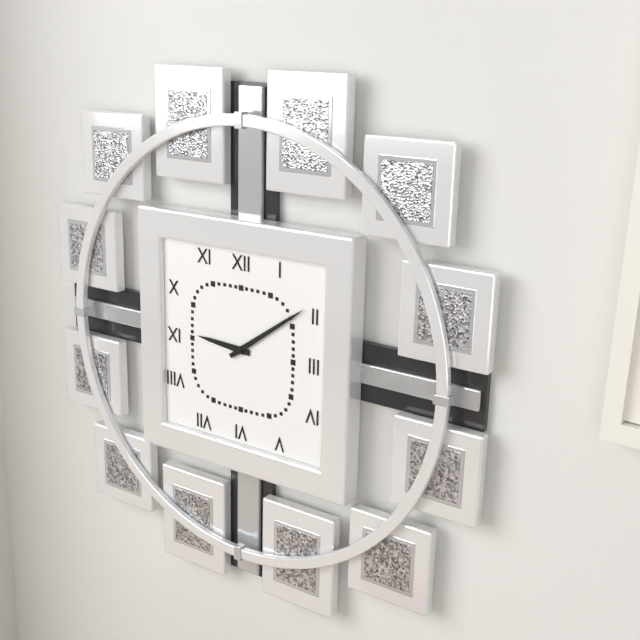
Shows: 9:09
